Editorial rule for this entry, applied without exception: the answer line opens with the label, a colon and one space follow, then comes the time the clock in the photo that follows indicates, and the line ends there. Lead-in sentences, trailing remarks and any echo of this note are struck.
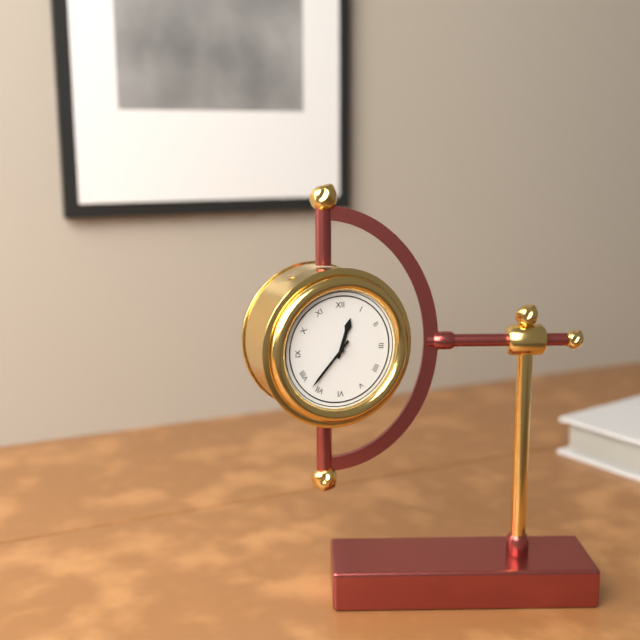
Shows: 12:37
